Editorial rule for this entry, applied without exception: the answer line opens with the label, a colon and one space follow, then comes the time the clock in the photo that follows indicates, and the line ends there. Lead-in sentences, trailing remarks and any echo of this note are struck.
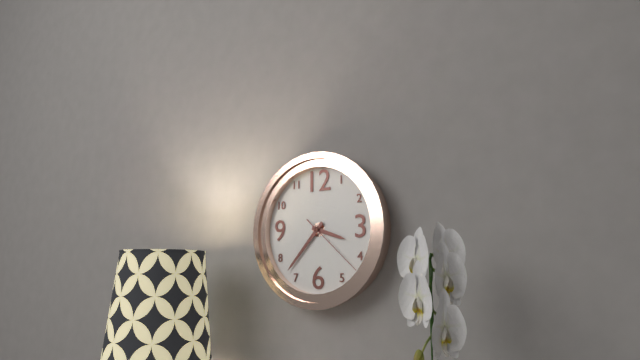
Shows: 3:37:22
